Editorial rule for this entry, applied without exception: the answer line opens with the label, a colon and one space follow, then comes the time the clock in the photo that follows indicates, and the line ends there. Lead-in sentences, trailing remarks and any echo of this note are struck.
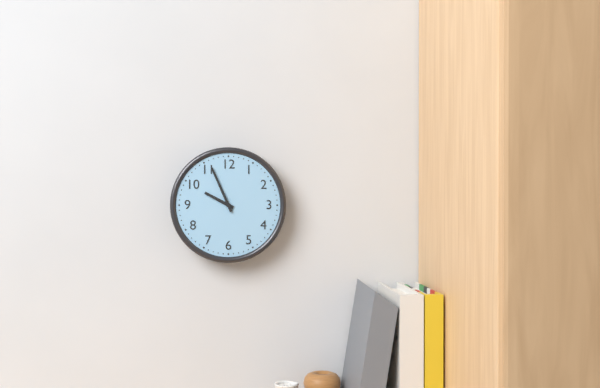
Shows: 9:56
